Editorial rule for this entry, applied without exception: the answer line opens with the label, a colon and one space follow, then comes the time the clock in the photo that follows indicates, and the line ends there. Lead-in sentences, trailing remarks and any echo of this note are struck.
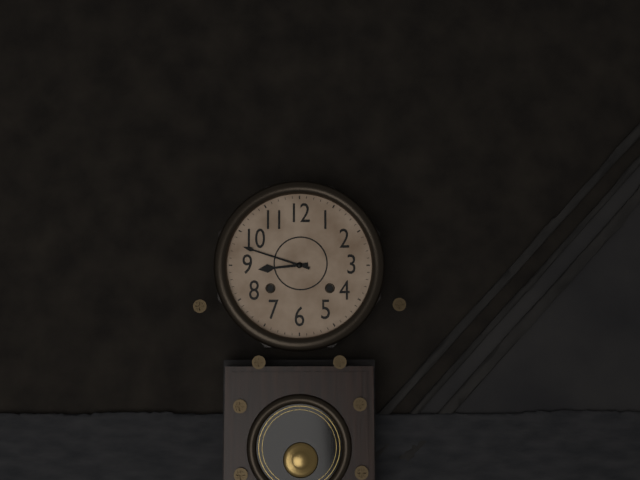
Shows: 8:48
